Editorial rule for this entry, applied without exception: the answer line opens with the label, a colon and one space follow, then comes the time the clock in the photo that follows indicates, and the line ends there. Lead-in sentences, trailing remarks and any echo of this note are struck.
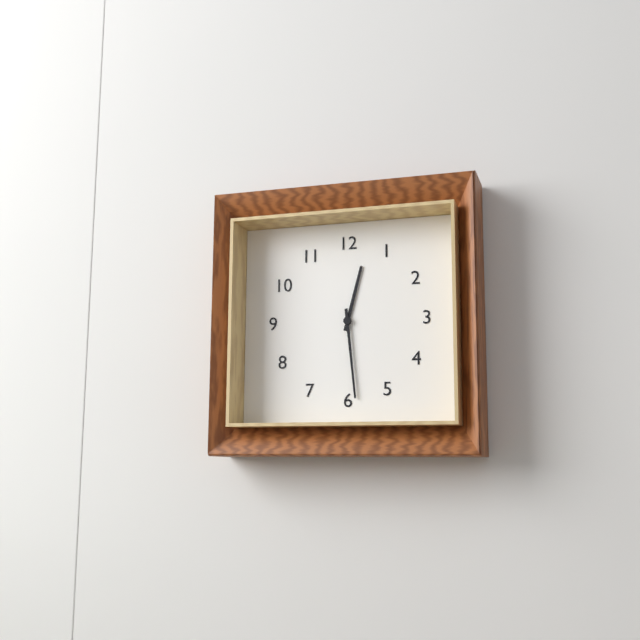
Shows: 12:29
